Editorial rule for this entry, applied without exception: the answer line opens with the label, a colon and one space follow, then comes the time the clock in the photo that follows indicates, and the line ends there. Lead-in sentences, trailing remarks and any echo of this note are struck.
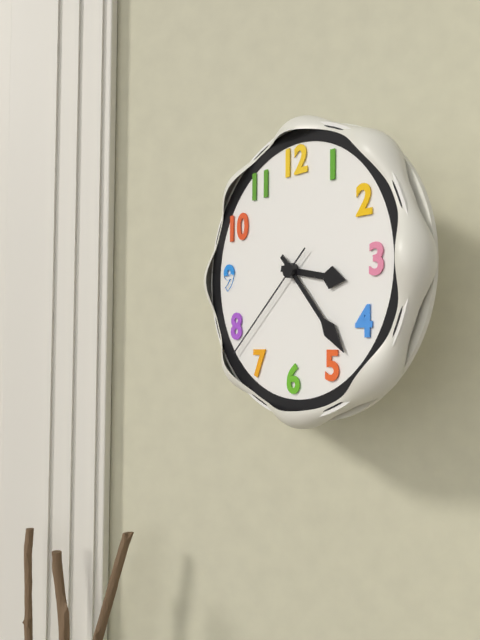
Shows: 3:23:38
